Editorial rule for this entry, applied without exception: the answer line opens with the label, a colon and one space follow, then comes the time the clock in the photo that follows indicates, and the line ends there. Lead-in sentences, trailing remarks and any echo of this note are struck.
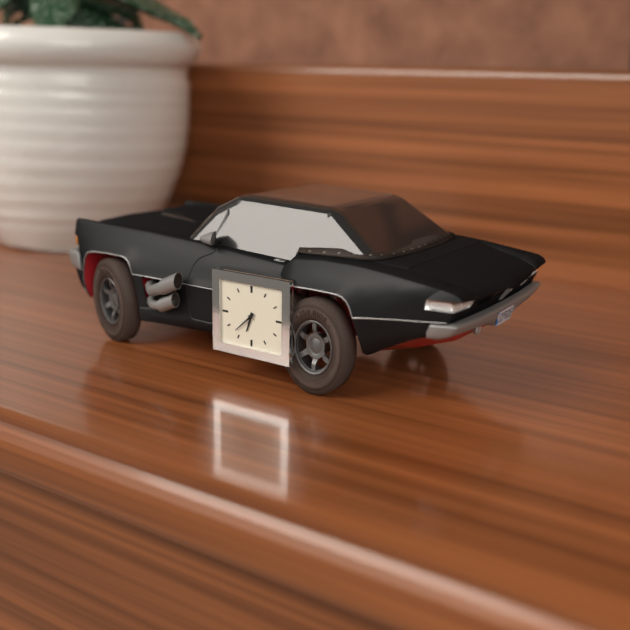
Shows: 6:38
